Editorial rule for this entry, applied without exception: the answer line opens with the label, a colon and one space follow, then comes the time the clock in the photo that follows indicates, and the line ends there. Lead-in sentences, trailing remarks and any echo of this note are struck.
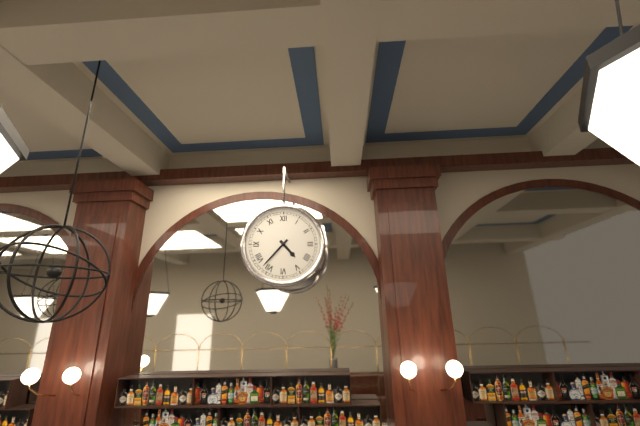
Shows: 4:37
